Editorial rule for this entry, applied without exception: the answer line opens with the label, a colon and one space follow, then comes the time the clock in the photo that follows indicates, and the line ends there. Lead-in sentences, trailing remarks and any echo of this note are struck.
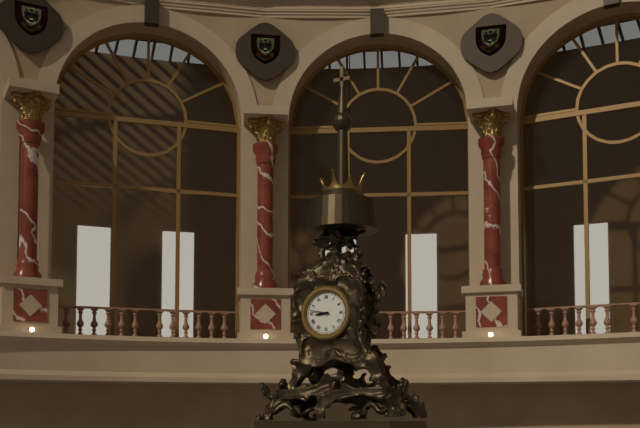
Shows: 8:47
